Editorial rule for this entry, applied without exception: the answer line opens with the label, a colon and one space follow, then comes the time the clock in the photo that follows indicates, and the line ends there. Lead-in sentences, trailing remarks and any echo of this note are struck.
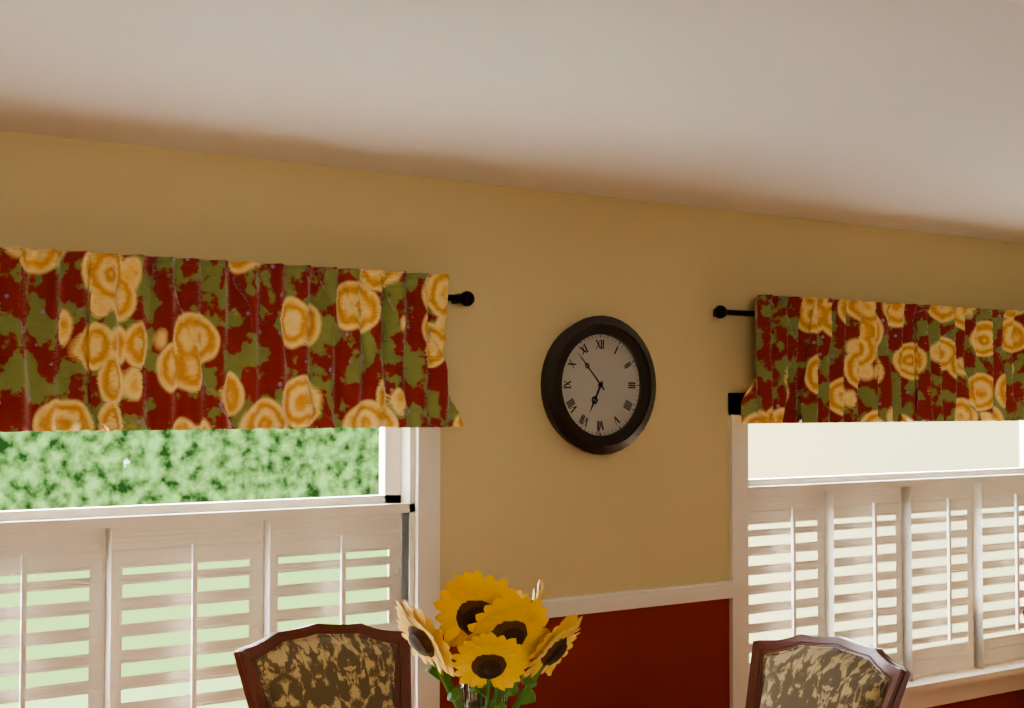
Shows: 6:53
